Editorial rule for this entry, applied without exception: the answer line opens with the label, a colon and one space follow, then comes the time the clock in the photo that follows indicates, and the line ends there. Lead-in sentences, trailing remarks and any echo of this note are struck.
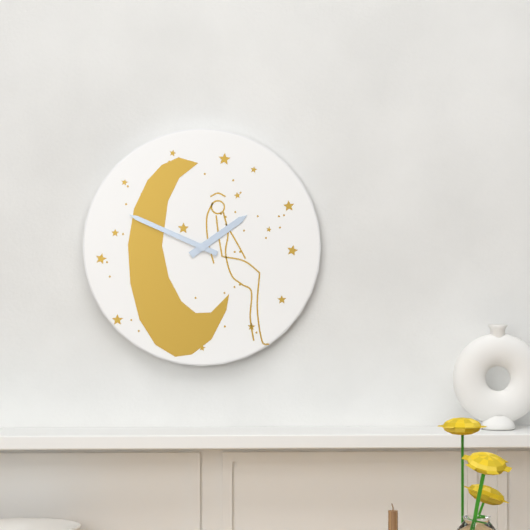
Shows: 1:49
